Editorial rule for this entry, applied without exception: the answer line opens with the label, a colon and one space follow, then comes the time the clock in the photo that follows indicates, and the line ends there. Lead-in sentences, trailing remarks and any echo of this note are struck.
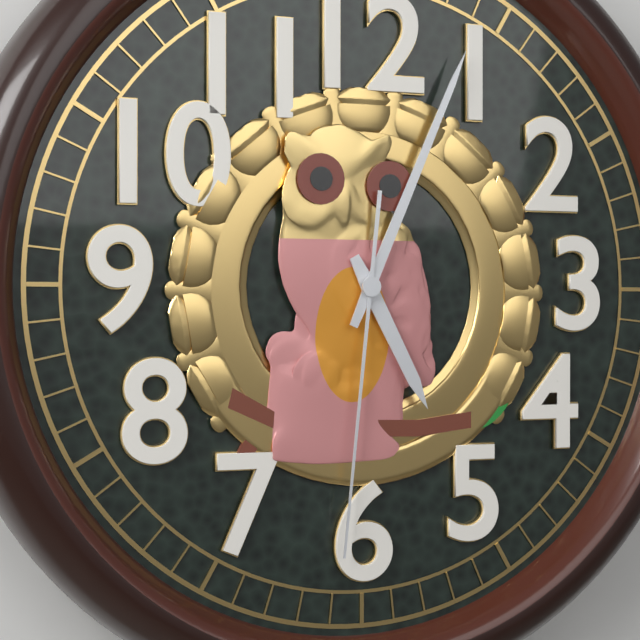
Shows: 5:04:31
